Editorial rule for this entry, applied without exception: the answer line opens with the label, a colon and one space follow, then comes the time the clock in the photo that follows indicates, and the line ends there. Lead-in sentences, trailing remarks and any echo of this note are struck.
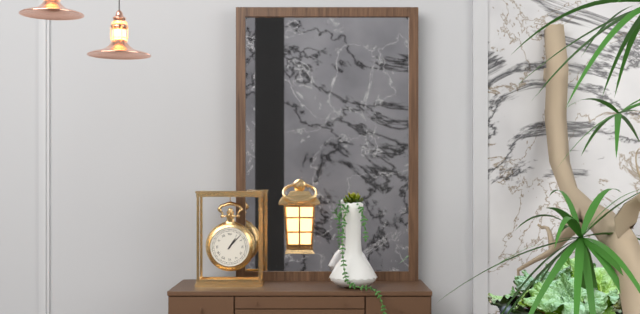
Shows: 1:07
